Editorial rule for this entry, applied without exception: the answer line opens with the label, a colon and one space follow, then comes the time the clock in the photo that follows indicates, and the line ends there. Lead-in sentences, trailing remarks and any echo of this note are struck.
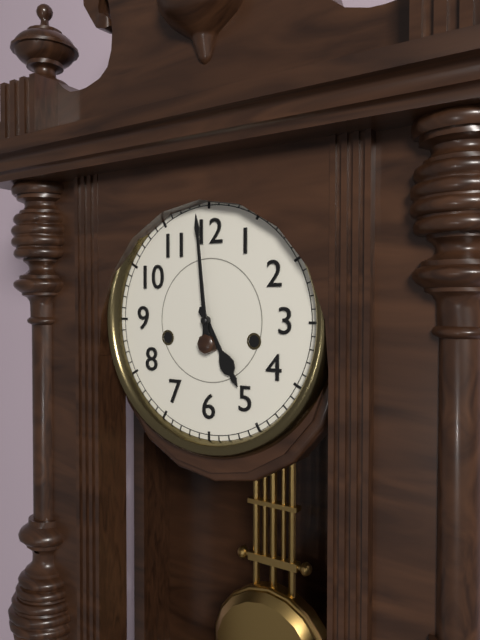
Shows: 4:59
